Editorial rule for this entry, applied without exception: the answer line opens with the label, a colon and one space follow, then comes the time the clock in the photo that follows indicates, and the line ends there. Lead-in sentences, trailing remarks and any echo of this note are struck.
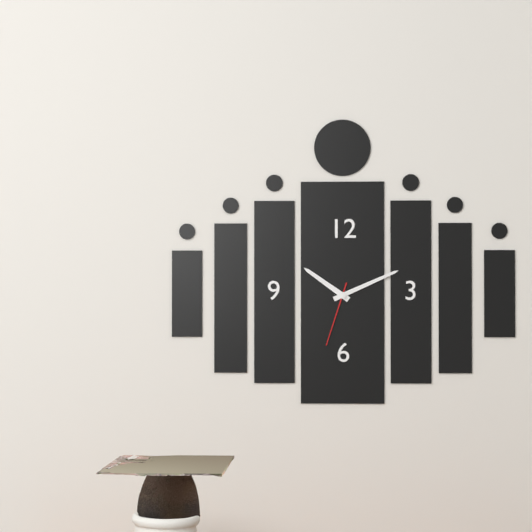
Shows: 10:11:33
